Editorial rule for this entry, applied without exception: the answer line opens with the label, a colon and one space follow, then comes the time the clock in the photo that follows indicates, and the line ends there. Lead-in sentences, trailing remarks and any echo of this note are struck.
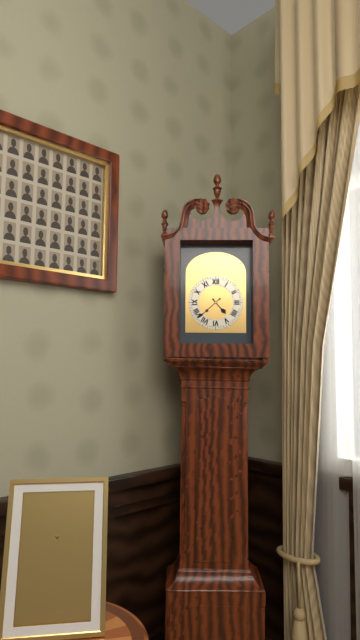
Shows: 4:38
